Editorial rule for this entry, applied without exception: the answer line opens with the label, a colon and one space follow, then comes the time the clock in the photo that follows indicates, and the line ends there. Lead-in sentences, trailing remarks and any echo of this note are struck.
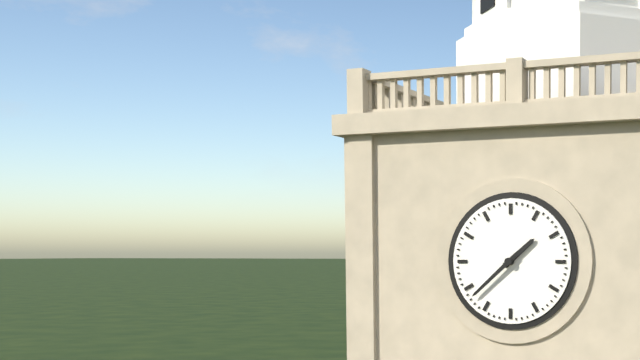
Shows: 1:38
